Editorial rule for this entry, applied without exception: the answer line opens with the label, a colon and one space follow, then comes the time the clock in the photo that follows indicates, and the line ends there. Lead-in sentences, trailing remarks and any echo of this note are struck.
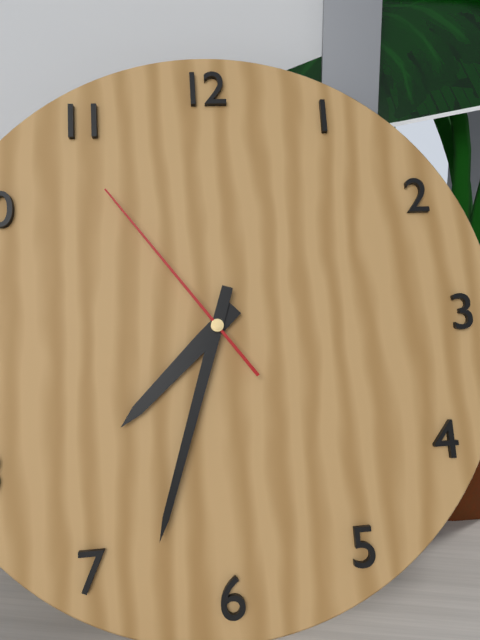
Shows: 7:33:54
